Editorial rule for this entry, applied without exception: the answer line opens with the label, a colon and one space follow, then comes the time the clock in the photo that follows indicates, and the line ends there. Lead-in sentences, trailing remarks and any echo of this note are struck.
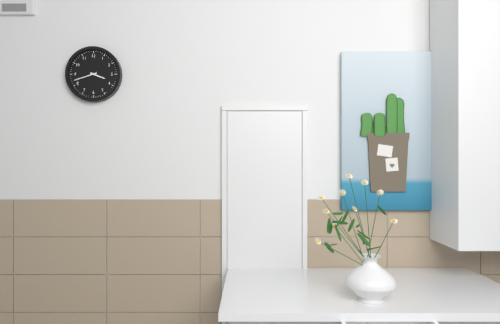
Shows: 3:42
